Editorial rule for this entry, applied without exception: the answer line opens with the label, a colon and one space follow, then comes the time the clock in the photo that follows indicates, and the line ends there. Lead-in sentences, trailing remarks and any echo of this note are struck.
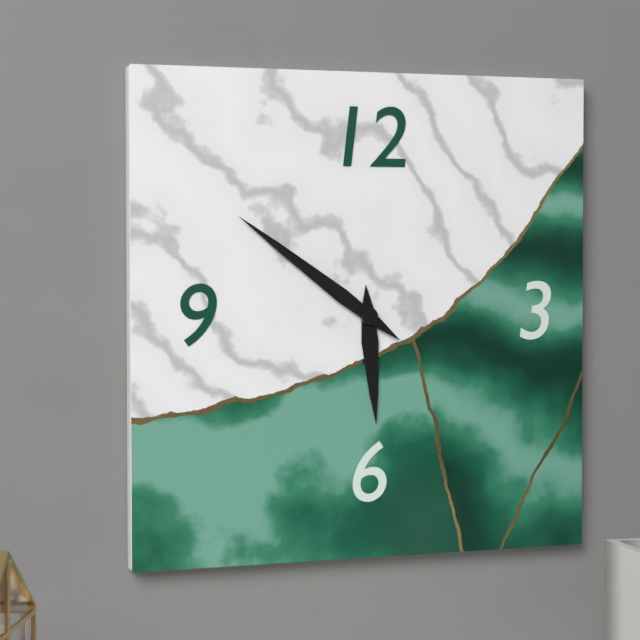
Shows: 5:51
